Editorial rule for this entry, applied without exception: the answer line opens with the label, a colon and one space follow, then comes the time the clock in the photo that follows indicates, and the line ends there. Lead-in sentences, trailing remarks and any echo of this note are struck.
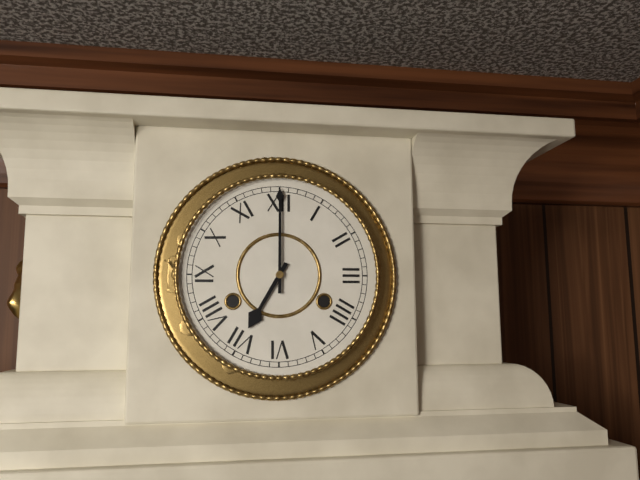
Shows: 7:00
